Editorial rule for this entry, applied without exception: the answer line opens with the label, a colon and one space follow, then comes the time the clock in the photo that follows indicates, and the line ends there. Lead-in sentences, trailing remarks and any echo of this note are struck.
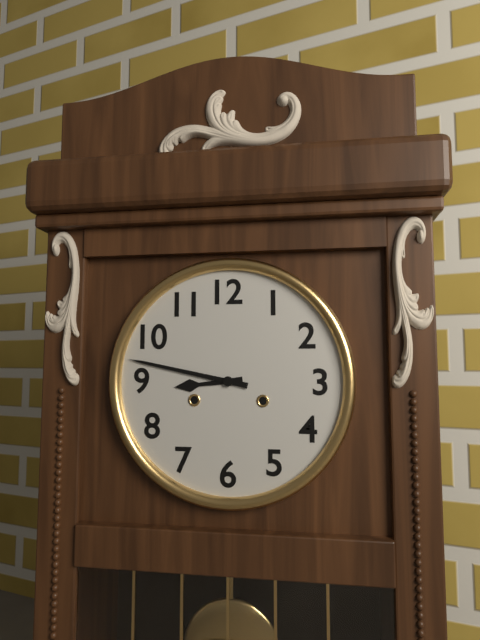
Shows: 8:47
